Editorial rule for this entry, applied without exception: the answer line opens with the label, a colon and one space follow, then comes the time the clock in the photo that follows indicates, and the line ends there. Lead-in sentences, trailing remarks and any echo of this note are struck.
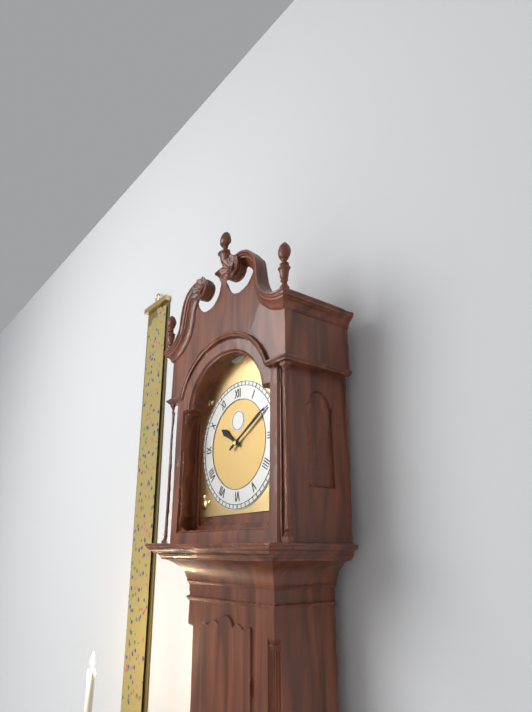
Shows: 10:10
